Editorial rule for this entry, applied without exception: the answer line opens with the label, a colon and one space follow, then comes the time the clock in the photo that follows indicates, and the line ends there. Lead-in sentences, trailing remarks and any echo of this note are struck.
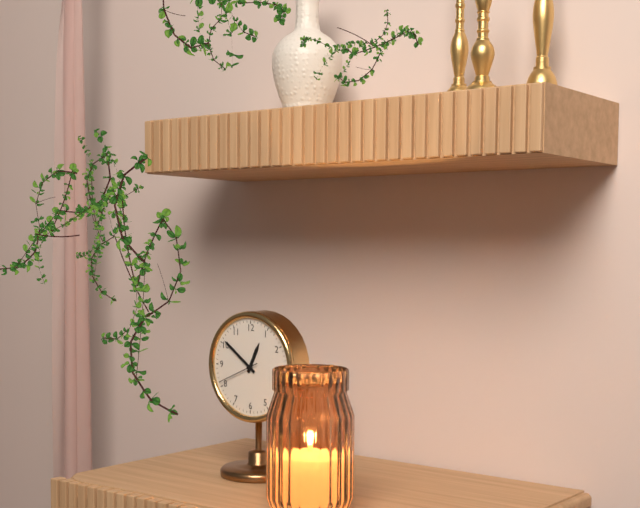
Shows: 12:51
